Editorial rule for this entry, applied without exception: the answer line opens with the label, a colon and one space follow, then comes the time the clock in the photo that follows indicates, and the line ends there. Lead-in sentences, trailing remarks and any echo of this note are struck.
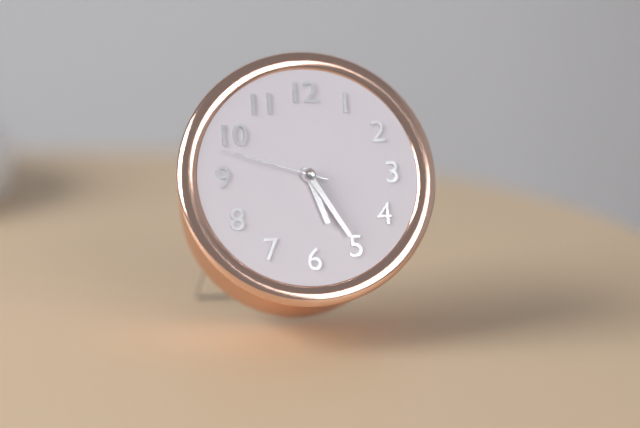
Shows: 5:25:48
